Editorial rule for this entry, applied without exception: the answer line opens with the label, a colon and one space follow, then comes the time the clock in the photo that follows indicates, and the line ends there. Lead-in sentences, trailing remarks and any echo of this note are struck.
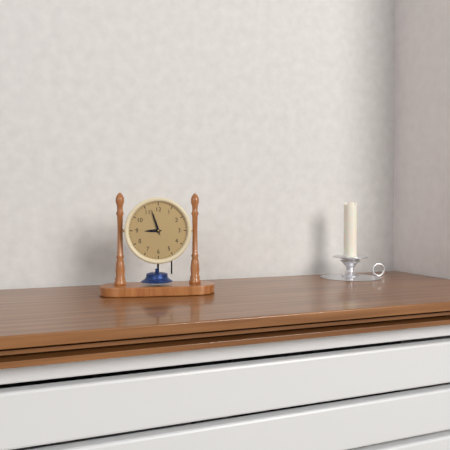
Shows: 8:57
